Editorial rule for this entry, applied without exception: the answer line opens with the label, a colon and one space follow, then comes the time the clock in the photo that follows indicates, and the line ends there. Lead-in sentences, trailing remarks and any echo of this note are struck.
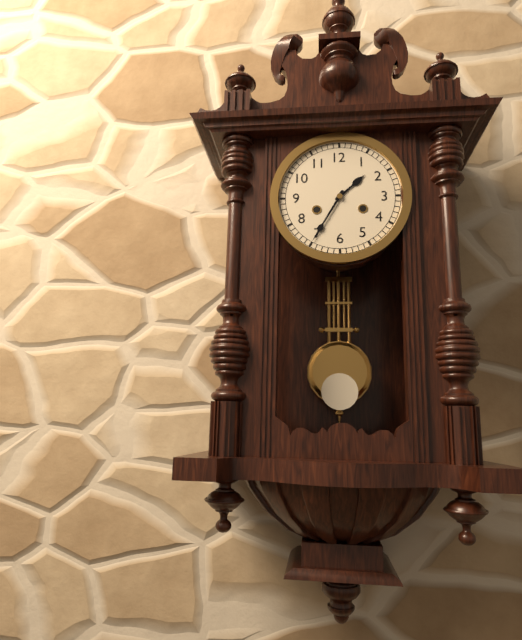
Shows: 1:35
